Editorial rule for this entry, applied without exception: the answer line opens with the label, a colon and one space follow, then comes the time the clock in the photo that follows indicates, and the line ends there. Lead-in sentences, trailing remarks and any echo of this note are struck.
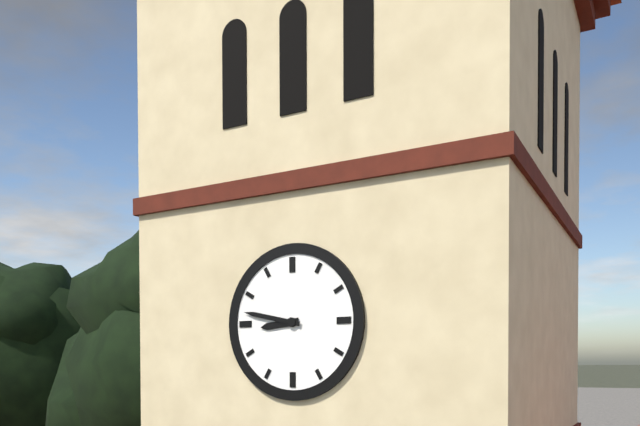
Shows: 8:47
